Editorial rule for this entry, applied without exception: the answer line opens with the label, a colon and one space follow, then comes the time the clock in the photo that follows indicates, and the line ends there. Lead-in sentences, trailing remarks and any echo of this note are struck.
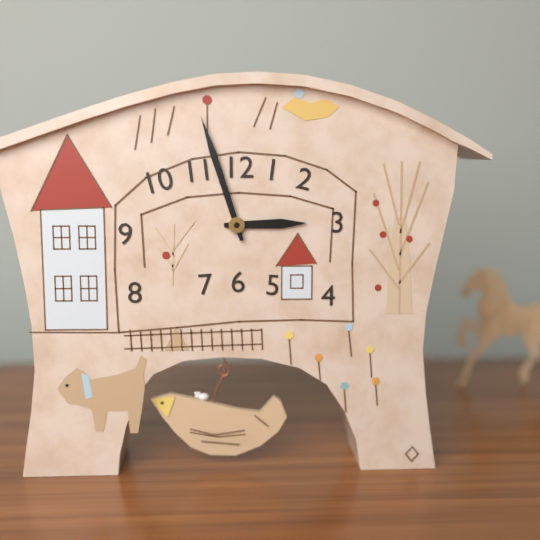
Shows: 2:57
